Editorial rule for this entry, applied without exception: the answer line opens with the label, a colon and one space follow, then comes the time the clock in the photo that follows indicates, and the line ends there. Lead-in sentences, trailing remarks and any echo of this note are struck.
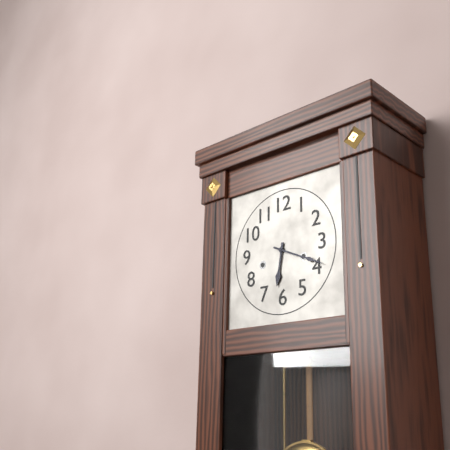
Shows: 6:19
